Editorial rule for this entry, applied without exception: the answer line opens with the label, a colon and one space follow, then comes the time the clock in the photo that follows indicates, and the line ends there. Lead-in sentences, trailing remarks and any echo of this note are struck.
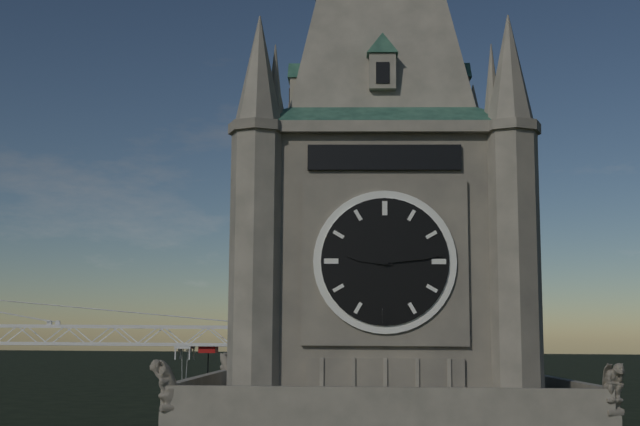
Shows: 9:14
